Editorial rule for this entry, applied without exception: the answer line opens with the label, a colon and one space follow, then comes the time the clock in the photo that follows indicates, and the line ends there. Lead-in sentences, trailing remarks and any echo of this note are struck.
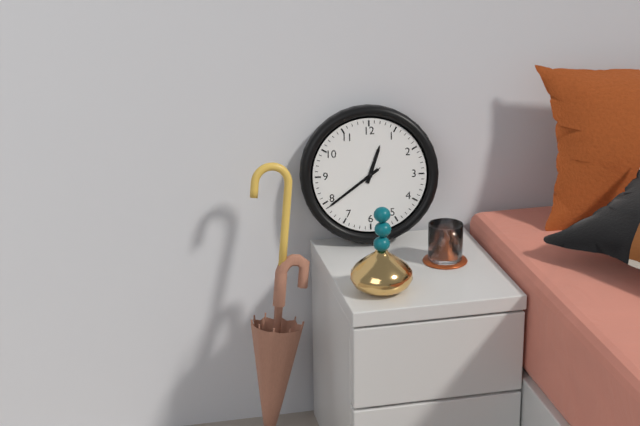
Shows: 12:39:39
